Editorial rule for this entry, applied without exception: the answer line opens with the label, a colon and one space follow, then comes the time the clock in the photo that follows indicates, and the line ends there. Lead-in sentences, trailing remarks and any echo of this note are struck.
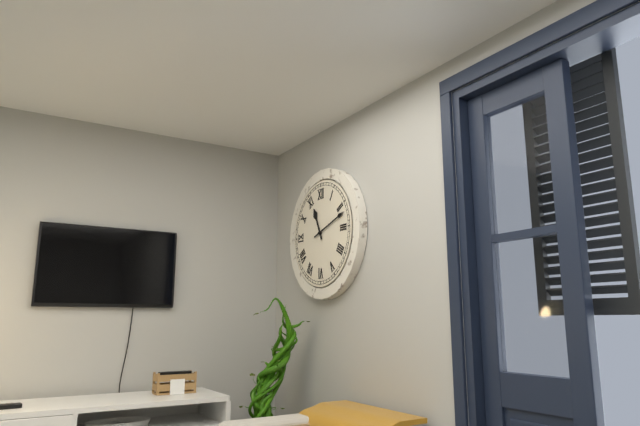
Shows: 11:12
